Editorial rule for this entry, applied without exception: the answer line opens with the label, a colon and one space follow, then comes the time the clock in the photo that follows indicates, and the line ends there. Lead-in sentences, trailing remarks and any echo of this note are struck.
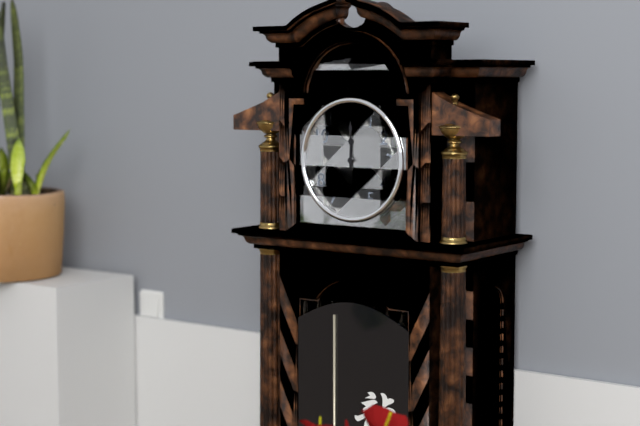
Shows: 12:00
